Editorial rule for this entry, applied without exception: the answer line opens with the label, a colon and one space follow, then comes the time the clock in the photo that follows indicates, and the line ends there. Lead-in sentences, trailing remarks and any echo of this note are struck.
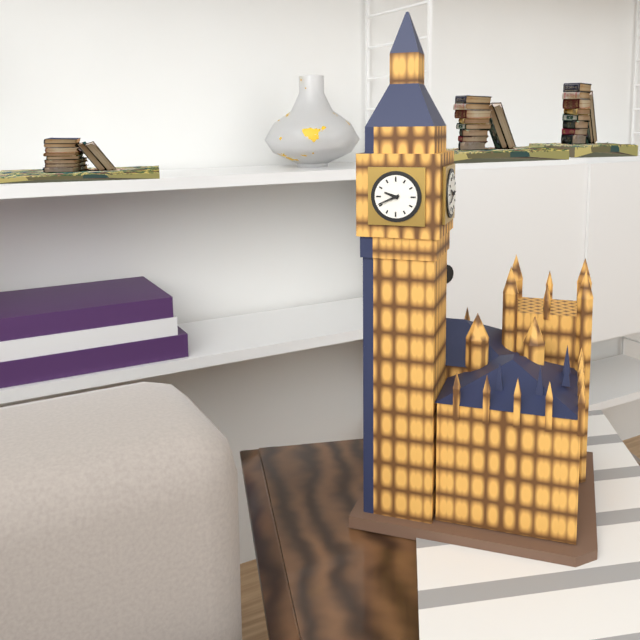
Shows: 9:41
